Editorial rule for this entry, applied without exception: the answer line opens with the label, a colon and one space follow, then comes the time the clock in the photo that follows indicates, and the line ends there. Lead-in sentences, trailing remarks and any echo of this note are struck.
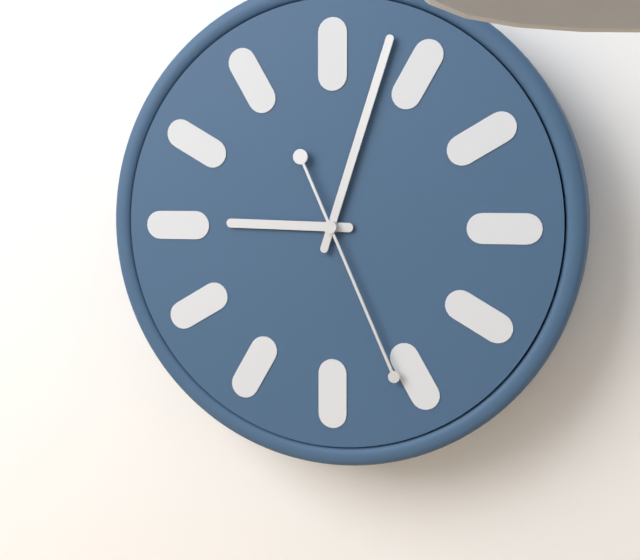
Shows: 9:03:26
